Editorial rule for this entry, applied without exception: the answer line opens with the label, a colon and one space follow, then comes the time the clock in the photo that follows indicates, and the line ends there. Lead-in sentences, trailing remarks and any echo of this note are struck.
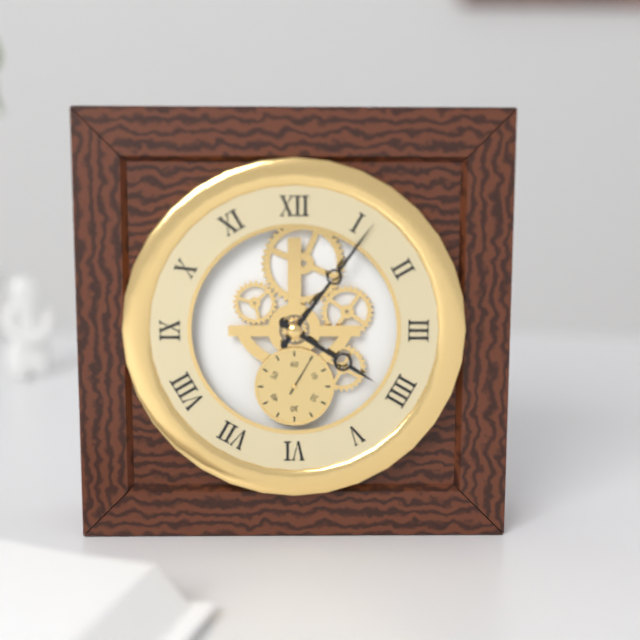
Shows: 4:06
